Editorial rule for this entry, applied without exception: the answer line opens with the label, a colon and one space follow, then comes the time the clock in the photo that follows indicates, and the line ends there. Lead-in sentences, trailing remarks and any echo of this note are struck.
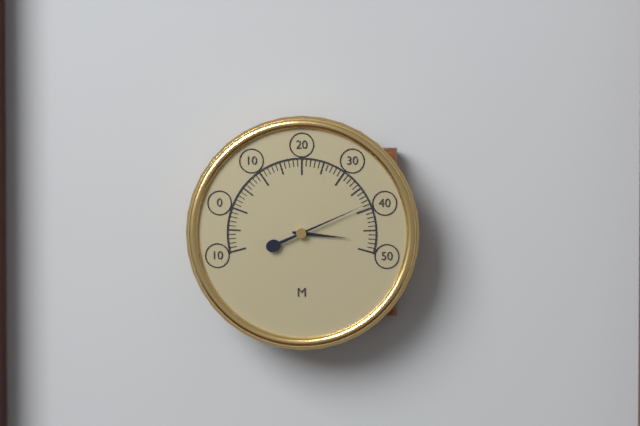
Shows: 3:11
